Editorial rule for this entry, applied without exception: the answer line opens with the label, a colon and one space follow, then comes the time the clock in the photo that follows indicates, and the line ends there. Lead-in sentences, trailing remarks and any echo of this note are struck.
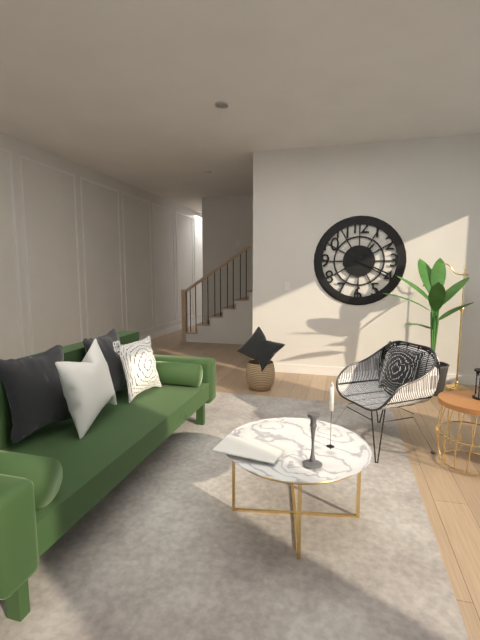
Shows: 1:19
